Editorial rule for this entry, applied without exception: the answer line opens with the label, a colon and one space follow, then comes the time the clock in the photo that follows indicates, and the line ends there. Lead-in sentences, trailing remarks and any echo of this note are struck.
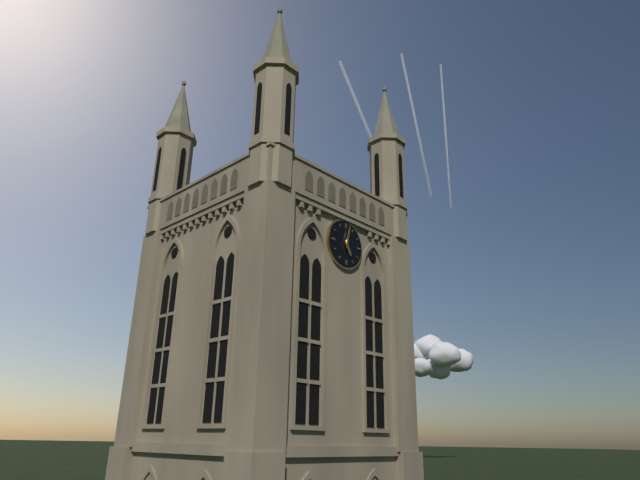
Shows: 5:02
